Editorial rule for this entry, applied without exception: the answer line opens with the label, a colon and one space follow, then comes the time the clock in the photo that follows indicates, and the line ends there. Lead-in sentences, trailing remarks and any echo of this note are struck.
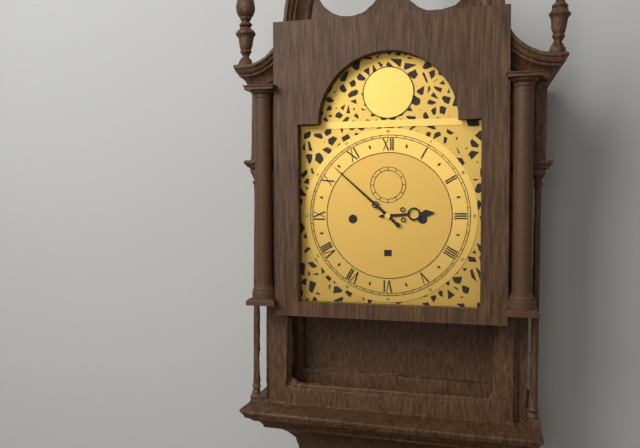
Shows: 2:52
